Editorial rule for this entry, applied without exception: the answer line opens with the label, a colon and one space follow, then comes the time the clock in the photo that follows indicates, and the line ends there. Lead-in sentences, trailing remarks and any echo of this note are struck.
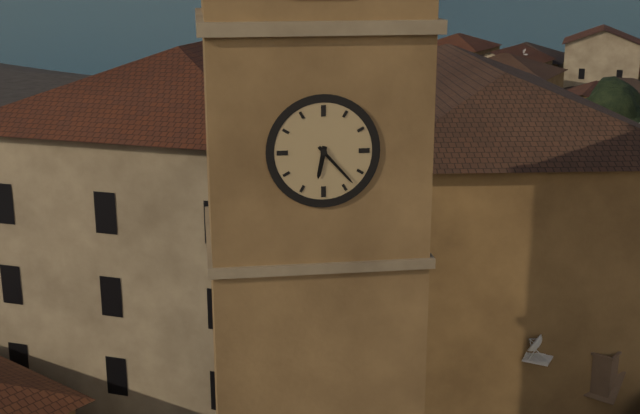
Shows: 6:23
